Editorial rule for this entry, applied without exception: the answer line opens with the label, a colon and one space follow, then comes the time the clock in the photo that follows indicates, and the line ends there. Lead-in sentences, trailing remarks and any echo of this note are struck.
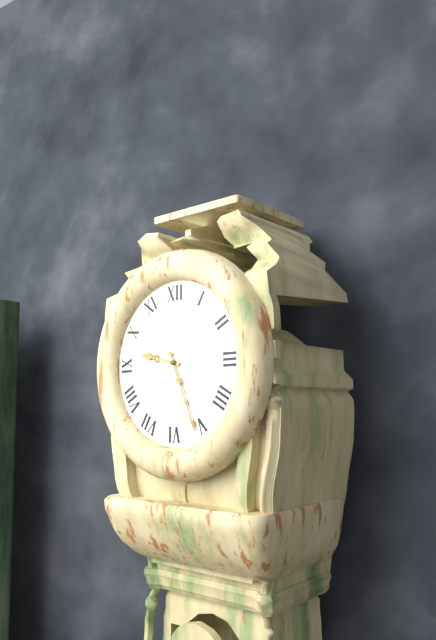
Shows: 9:26
